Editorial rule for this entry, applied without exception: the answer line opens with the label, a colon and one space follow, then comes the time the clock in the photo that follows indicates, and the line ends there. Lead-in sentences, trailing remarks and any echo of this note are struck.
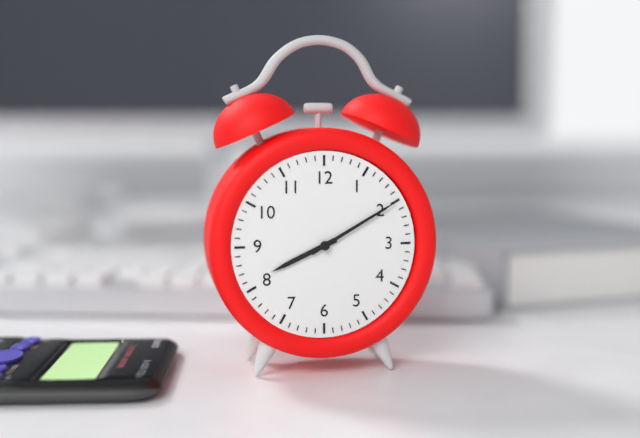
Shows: 8:10
